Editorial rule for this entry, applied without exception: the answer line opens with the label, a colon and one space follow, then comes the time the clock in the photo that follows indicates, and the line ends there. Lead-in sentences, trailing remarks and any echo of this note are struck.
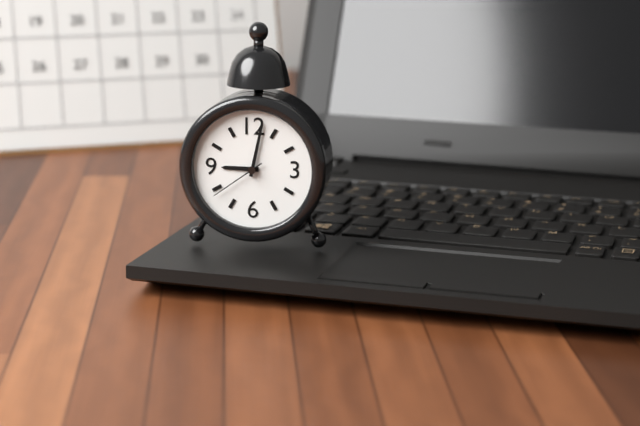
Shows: 9:02:39
